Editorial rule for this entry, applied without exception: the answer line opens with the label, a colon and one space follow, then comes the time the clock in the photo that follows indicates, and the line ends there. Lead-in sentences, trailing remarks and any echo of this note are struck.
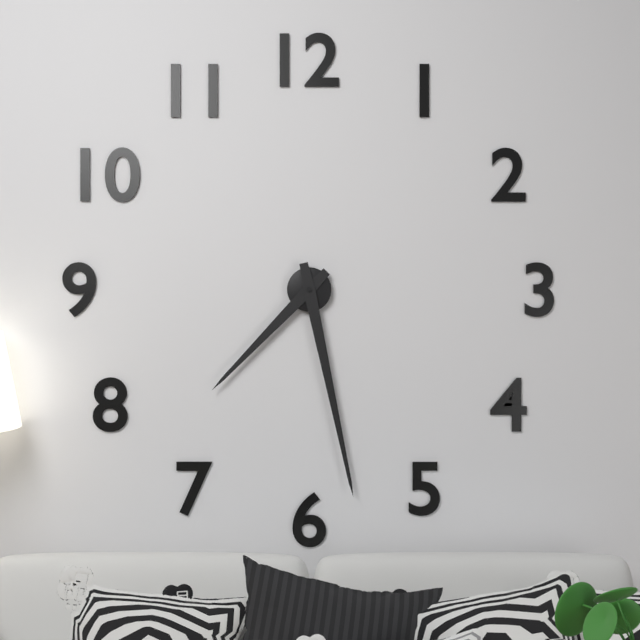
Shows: 7:28
